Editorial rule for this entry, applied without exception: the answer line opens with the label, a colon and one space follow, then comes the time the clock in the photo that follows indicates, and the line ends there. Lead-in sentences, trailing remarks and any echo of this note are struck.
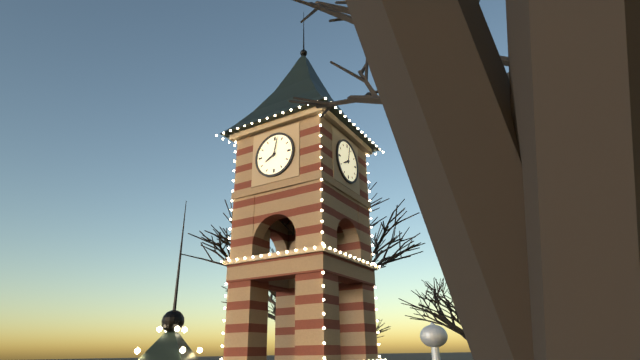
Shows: 8:02
